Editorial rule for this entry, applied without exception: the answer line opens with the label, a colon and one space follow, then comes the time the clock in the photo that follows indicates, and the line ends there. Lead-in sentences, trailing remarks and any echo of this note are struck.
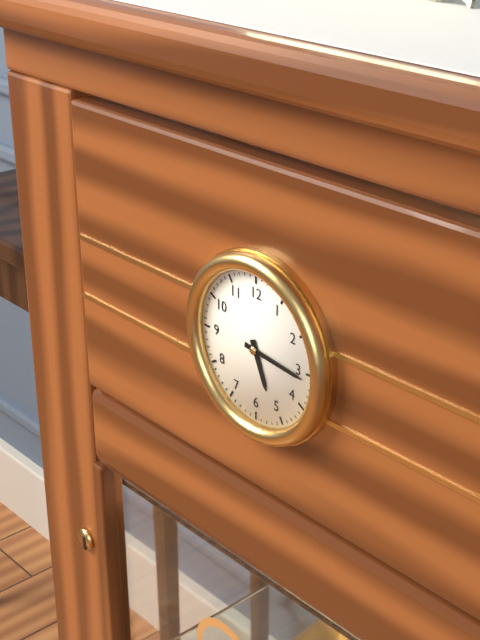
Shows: 5:16
